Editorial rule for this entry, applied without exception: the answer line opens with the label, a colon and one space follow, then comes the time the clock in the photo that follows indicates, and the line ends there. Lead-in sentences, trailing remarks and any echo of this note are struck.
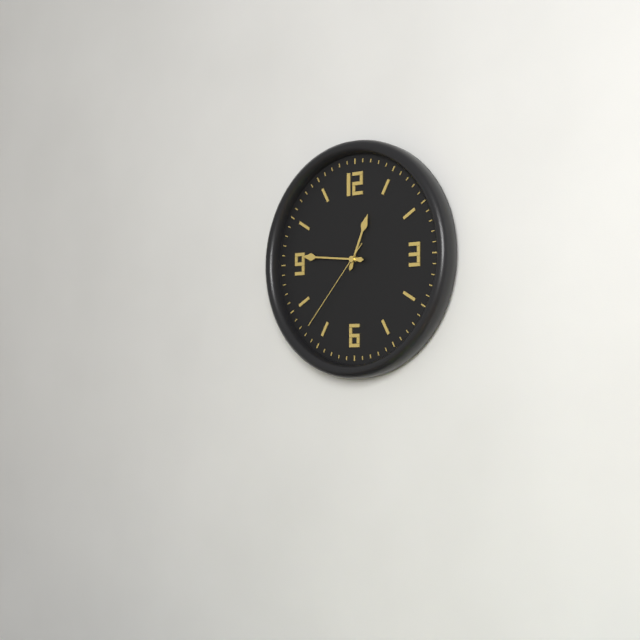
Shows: 12:46:37
